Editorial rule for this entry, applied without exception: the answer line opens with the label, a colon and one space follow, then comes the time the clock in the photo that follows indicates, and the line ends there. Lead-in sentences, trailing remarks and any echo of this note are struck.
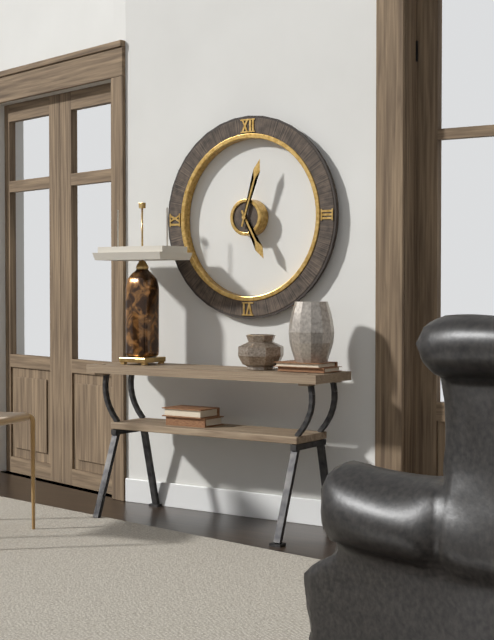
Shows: 5:03
